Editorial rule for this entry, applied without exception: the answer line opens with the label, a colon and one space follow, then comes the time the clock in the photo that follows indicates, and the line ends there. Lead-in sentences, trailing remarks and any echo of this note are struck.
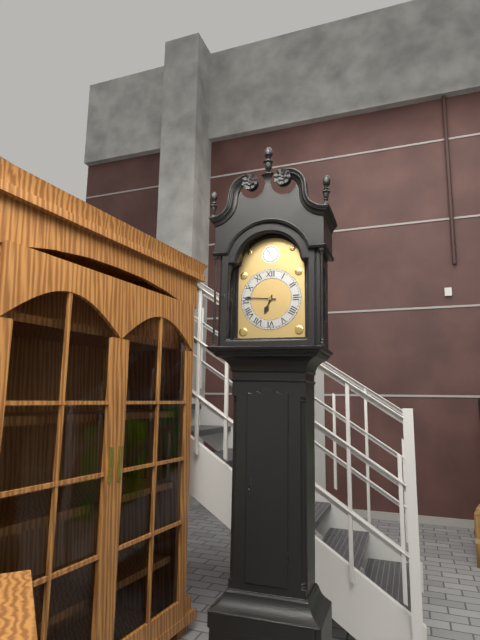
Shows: 6:46
